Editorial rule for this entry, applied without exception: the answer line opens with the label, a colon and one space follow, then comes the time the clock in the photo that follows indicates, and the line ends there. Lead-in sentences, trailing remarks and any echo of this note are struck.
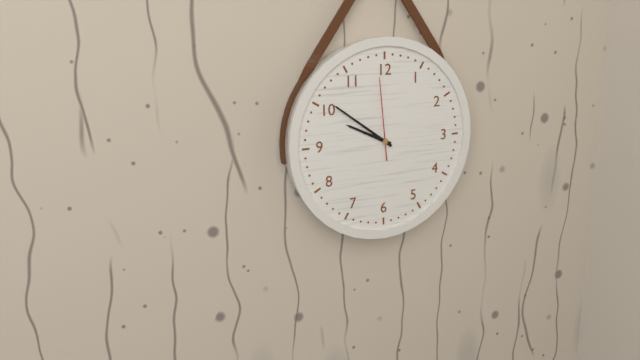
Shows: 9:51:59
